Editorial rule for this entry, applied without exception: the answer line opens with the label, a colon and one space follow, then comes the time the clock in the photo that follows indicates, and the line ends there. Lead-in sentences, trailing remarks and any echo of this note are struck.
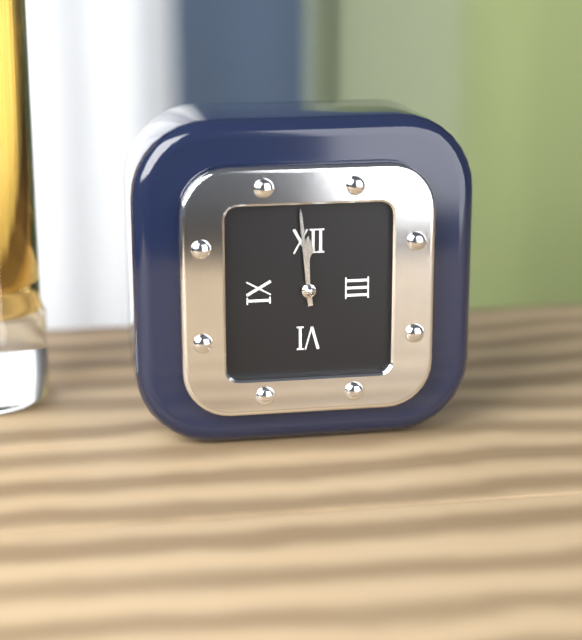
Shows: 11:59
